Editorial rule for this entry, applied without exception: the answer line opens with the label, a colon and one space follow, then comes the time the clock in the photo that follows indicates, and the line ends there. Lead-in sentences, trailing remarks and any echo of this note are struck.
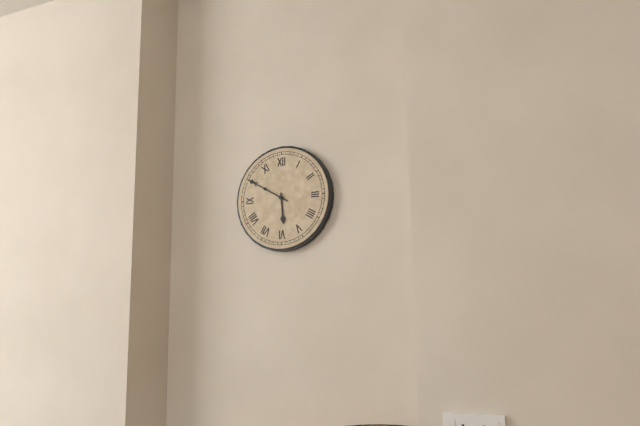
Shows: 5:50
